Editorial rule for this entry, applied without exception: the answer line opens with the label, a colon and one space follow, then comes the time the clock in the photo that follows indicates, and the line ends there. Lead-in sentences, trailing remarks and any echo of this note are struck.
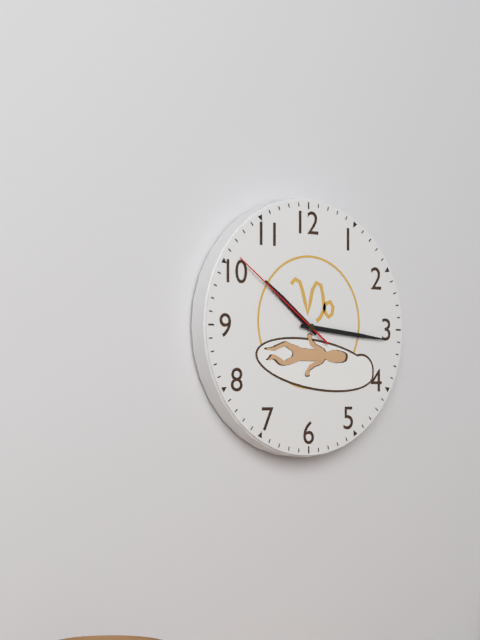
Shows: 10:16:51
